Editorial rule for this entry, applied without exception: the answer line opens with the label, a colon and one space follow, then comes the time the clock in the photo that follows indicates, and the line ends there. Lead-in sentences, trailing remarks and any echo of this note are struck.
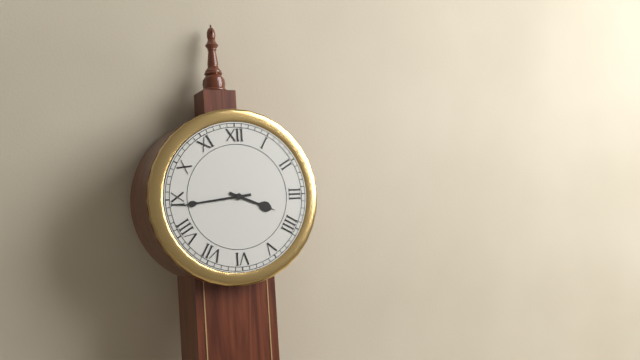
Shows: 3:44
